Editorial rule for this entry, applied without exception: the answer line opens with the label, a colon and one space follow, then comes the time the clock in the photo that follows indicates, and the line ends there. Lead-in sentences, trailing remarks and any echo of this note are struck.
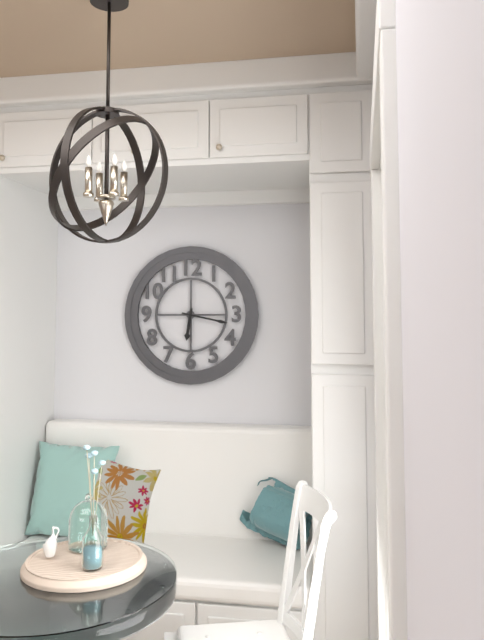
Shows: 6:17
